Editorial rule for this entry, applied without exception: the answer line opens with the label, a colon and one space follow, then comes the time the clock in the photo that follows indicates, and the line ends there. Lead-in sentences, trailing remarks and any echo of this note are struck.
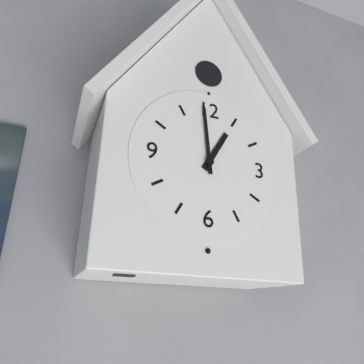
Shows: 12:59
